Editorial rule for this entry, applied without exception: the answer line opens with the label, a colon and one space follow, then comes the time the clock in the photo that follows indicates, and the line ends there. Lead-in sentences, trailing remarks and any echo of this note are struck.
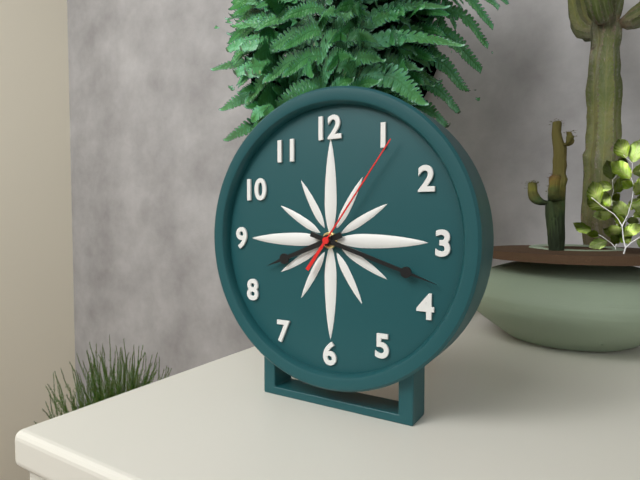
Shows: 8:18:06
